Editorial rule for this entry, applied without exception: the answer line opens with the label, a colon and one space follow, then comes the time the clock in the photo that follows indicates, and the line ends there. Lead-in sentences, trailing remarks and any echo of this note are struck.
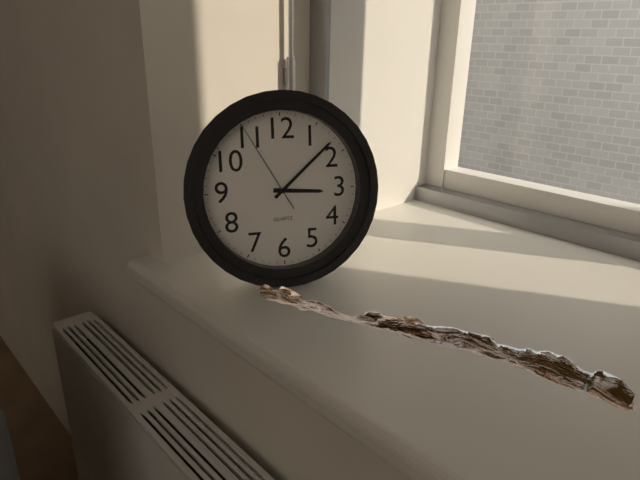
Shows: 3:08:55
